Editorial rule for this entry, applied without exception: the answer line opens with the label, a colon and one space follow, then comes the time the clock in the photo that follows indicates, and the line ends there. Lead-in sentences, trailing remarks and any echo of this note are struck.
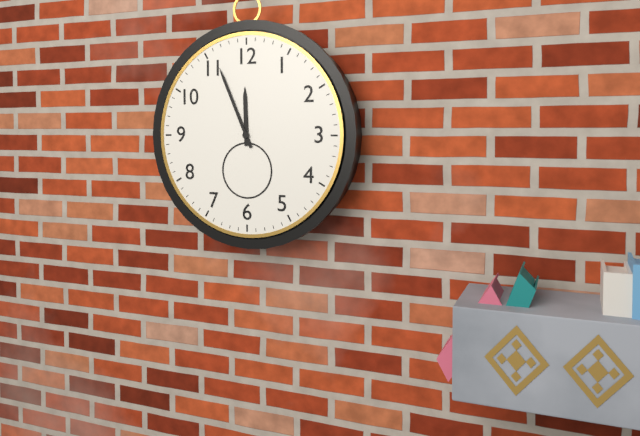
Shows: 11:56
